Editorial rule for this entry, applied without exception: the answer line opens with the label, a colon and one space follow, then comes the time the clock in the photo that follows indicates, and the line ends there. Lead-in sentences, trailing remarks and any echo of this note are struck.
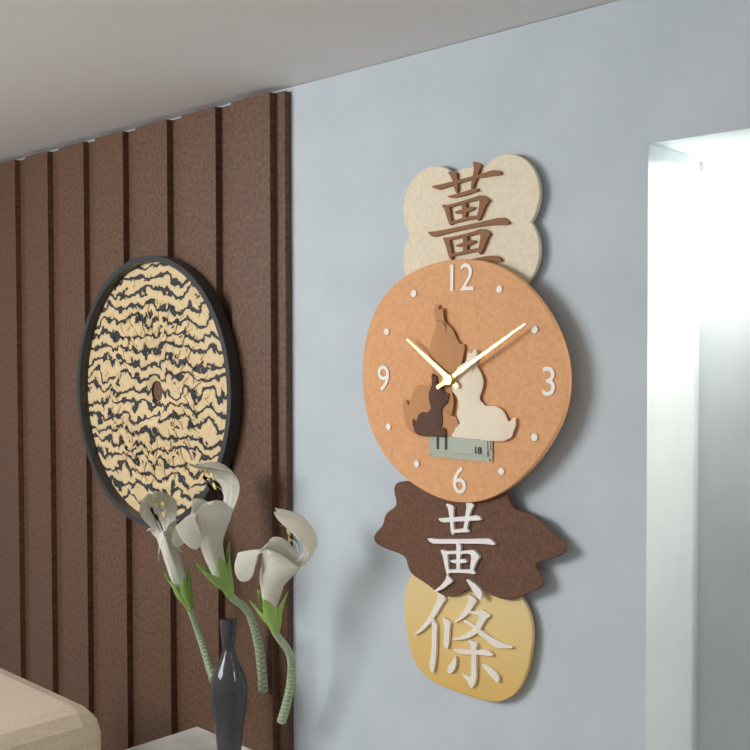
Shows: 10:10
